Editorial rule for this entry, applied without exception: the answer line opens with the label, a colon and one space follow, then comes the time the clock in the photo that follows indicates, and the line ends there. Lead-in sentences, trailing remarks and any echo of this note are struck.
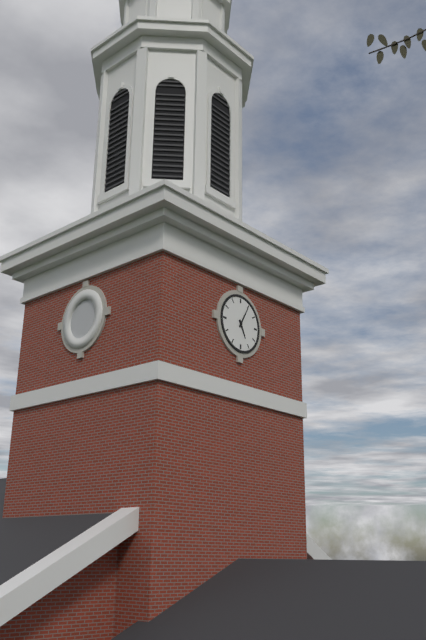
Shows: 5:05
